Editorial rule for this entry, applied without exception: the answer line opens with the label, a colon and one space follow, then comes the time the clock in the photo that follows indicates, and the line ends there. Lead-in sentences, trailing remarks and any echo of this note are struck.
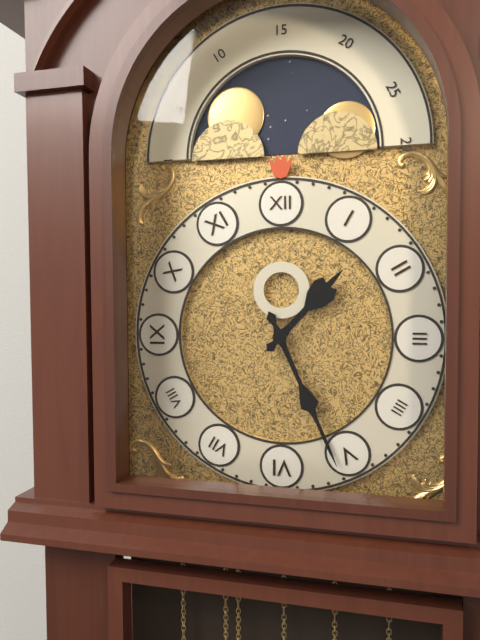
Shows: 1:26
